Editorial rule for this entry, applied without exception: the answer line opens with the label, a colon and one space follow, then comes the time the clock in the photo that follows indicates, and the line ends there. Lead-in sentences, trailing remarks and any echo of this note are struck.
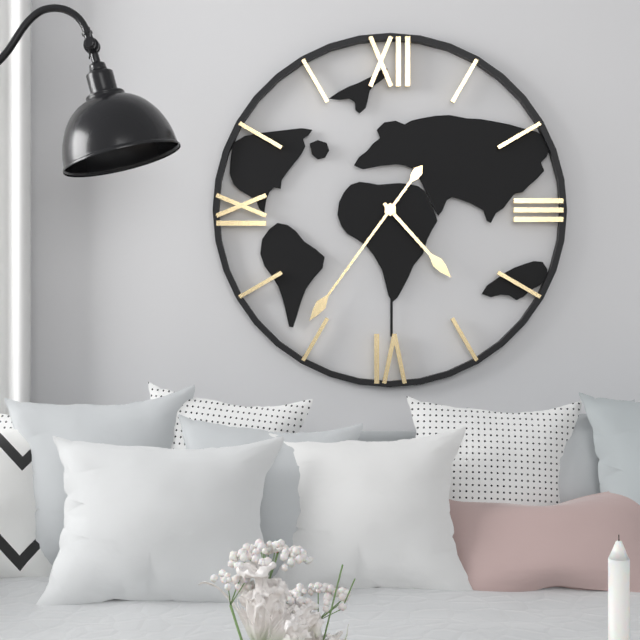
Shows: 4:36
